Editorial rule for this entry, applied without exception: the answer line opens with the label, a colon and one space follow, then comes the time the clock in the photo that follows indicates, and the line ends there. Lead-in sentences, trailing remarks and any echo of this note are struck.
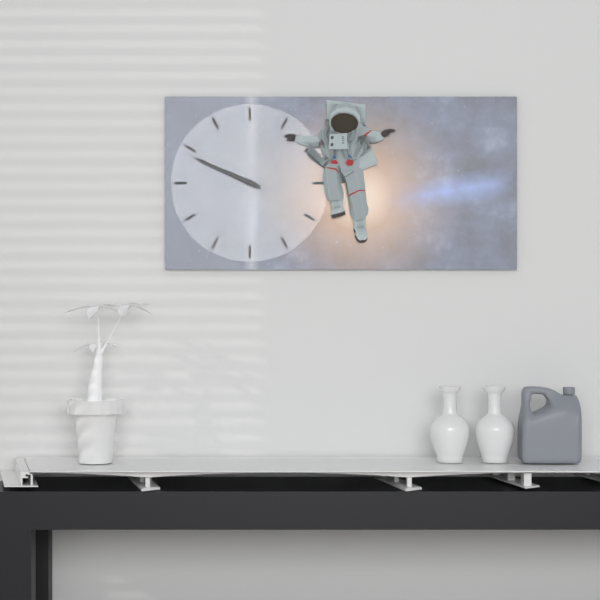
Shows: 9:49
